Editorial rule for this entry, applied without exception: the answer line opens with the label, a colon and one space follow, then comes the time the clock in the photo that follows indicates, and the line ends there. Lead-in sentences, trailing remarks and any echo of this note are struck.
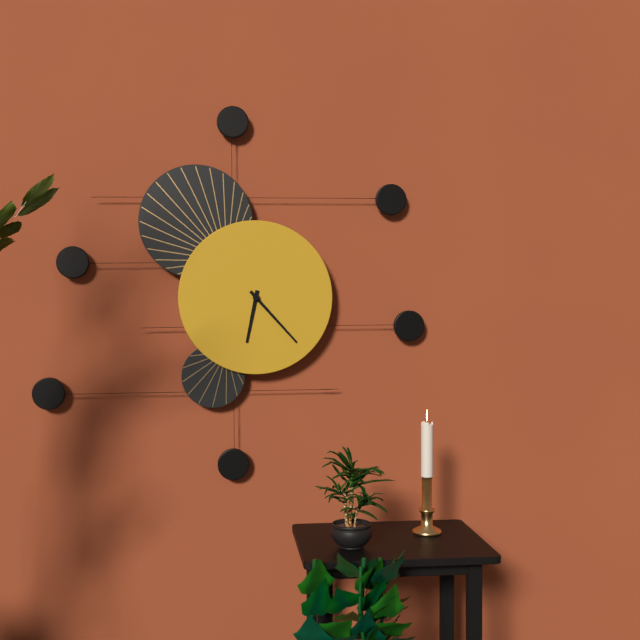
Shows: 6:23
